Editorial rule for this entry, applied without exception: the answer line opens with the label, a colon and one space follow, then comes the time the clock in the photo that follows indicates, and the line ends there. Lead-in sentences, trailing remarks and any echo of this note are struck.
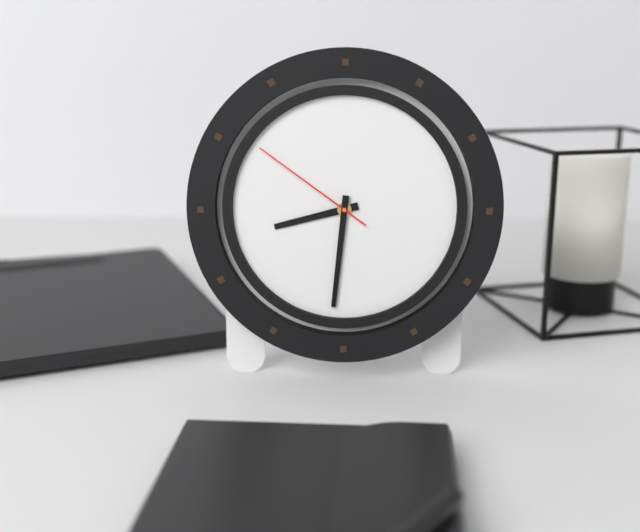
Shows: 8:31:51
